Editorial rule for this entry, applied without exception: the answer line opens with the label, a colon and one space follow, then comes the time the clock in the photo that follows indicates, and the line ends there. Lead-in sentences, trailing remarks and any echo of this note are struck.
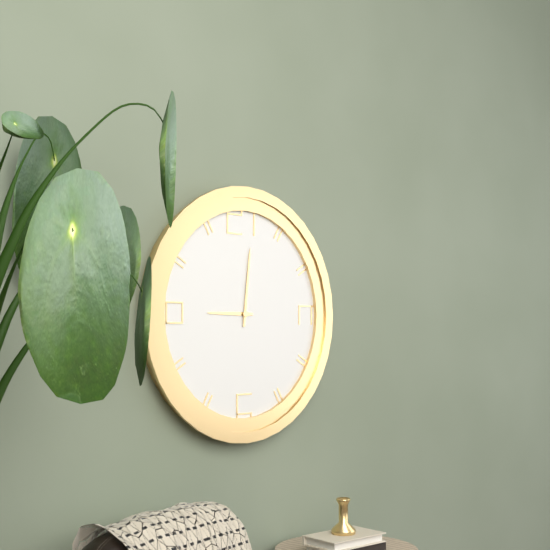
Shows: 9:01
